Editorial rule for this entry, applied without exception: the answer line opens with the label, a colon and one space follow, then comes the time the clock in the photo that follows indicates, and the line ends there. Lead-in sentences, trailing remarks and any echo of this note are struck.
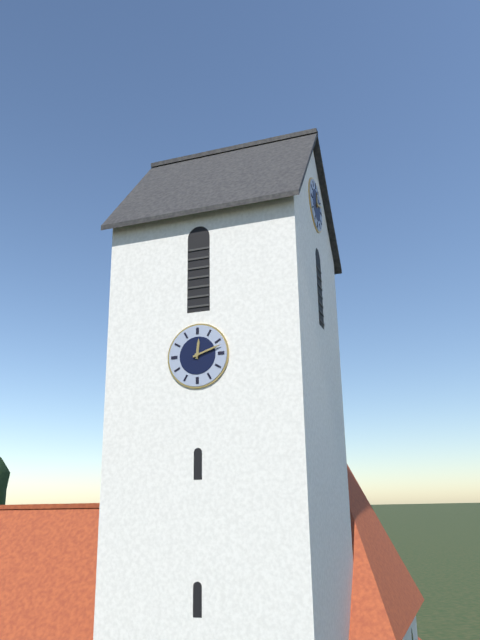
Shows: 12:12
